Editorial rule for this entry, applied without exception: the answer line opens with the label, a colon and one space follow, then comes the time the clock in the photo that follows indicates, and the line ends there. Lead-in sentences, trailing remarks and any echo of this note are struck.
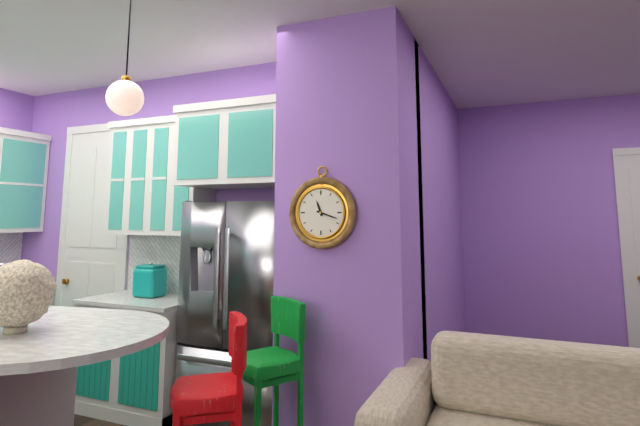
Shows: 11:18
